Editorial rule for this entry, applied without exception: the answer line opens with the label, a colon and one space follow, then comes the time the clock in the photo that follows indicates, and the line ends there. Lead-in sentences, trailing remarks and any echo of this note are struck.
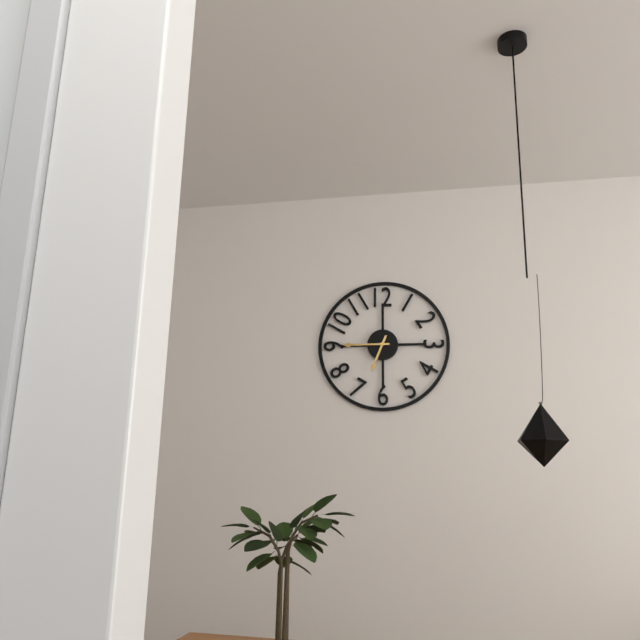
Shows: 6:45
